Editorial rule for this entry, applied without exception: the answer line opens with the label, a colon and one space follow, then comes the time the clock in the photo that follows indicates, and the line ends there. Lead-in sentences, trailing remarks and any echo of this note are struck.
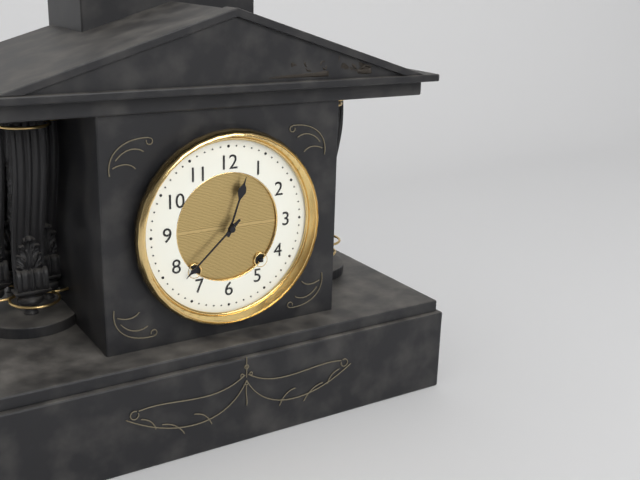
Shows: 12:38
